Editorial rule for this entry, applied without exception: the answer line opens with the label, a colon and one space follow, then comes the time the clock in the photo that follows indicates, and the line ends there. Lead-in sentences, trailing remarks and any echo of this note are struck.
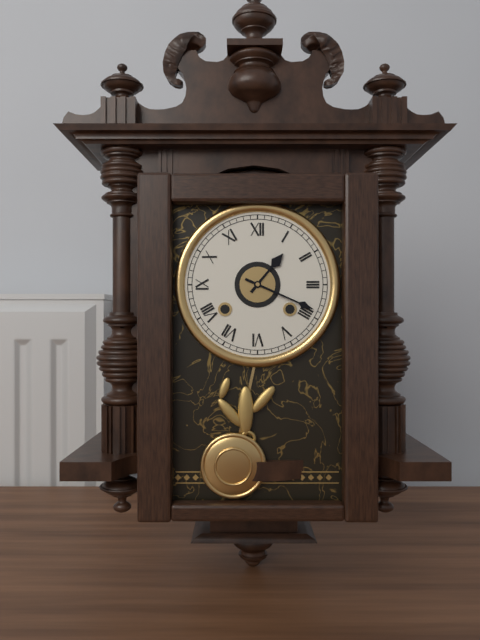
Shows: 1:19
